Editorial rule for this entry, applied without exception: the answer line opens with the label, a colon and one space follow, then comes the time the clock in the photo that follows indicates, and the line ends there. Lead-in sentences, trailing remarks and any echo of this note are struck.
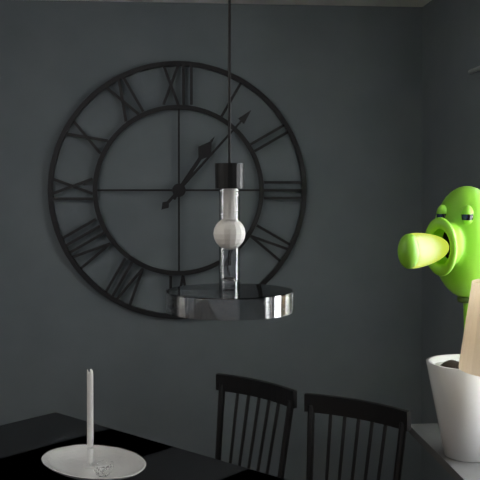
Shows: 1:07
